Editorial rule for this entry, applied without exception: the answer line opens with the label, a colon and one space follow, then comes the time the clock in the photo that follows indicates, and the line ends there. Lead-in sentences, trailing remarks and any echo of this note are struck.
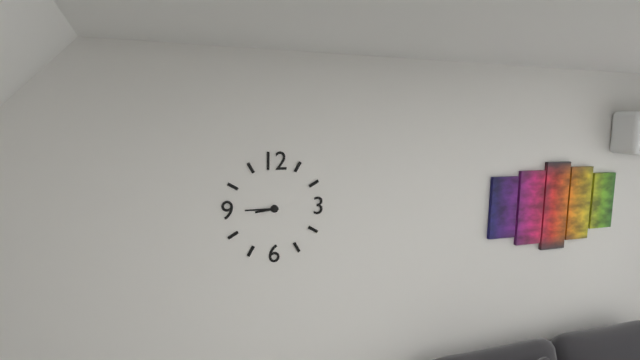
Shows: 8:45
